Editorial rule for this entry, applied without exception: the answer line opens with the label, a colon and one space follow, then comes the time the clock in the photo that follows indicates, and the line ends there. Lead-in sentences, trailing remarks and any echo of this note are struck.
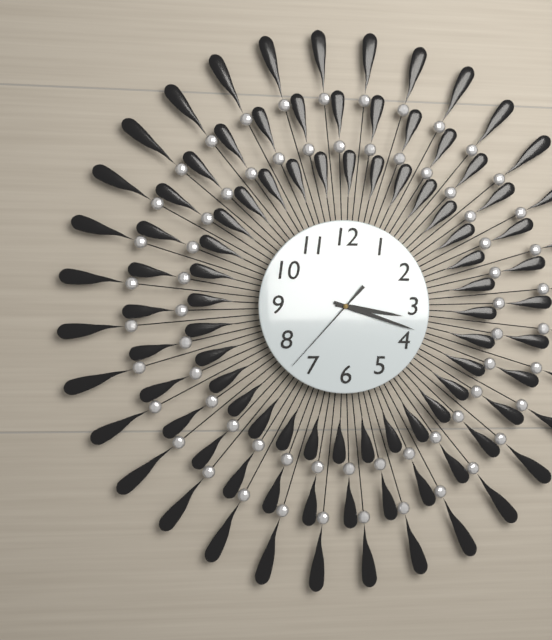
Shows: 3:18:37
